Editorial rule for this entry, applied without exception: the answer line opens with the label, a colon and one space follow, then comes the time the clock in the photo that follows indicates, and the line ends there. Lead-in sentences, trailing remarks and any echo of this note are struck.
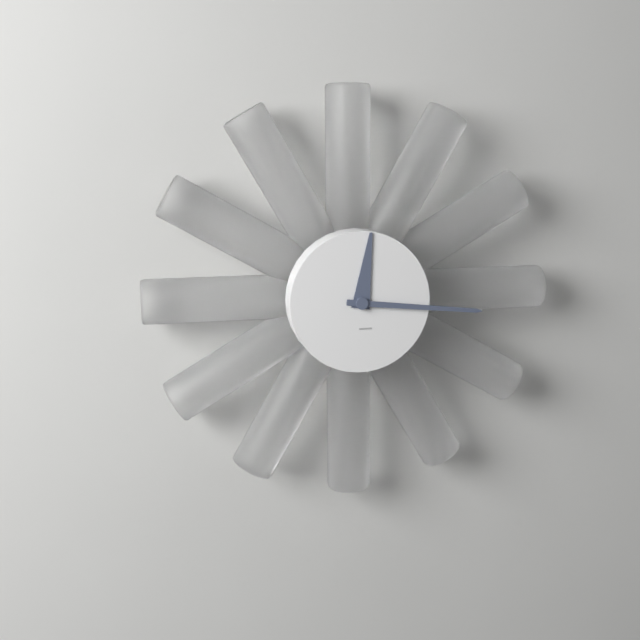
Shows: 12:16
